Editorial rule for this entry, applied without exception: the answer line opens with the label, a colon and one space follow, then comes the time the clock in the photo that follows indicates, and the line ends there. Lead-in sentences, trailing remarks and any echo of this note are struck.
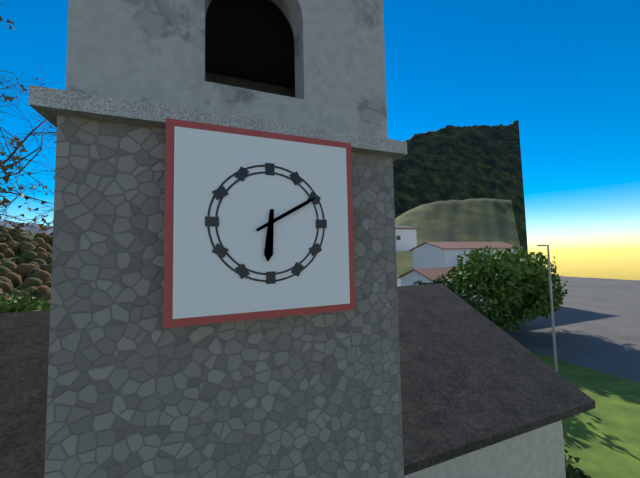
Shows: 6:10
